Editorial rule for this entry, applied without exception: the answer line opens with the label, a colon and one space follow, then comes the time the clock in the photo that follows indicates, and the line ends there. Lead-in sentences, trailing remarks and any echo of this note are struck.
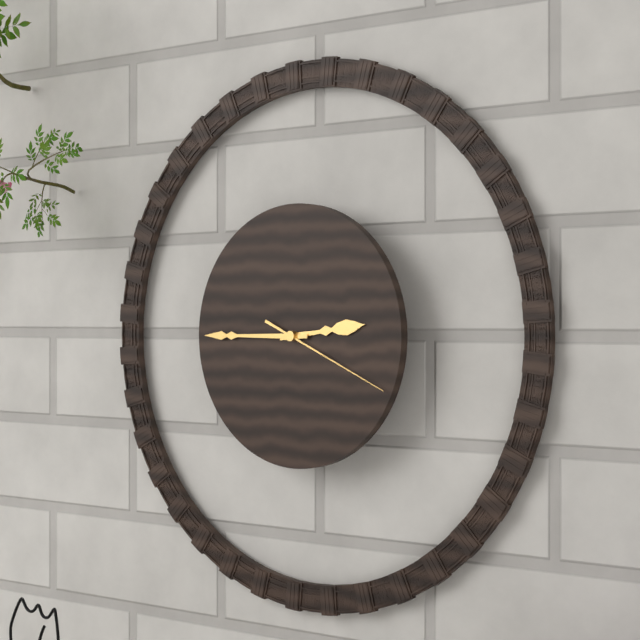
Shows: 2:45:19
